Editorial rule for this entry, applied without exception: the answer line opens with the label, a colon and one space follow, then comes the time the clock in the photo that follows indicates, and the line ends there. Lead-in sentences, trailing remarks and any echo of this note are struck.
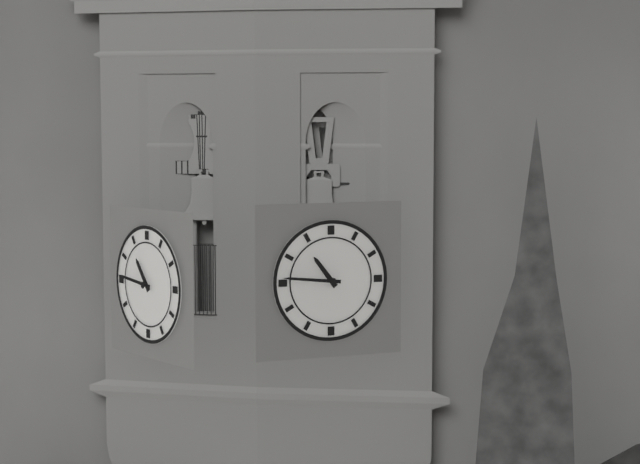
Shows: 10:46
